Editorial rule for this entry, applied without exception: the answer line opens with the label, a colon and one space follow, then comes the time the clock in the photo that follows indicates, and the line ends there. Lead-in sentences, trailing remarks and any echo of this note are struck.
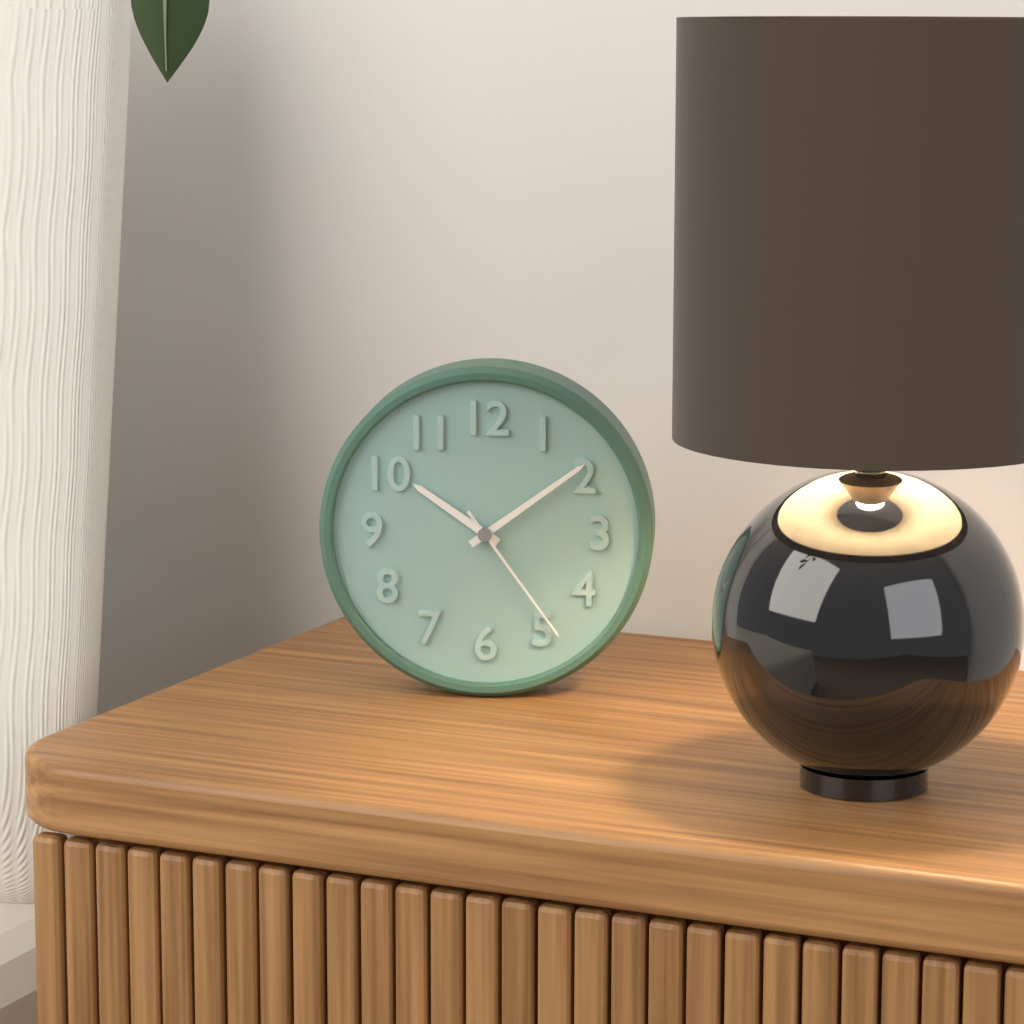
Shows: 10:09:24
